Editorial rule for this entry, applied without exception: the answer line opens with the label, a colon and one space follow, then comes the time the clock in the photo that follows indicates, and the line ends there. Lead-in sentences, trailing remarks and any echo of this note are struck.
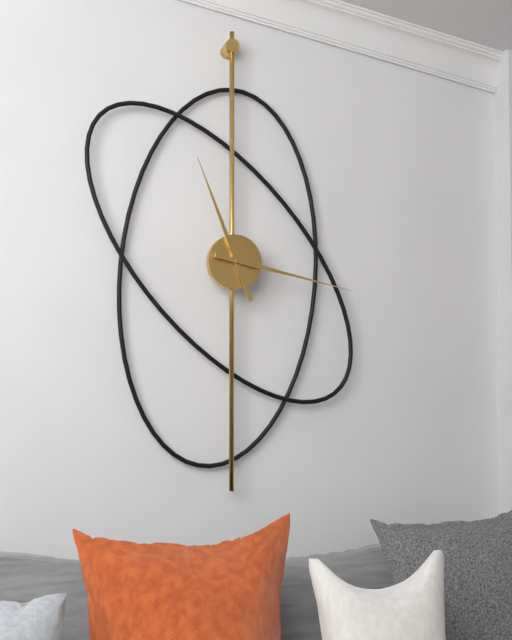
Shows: 11:17
